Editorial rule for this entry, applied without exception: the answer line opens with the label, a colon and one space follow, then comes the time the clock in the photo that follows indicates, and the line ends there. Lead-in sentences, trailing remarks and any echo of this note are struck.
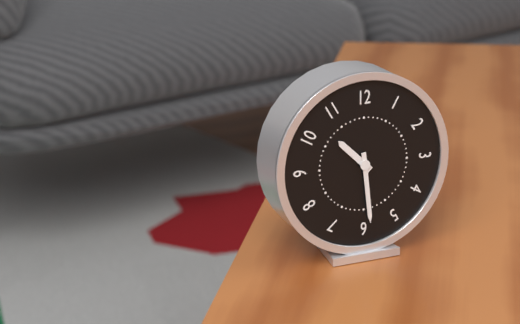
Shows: 10:29
